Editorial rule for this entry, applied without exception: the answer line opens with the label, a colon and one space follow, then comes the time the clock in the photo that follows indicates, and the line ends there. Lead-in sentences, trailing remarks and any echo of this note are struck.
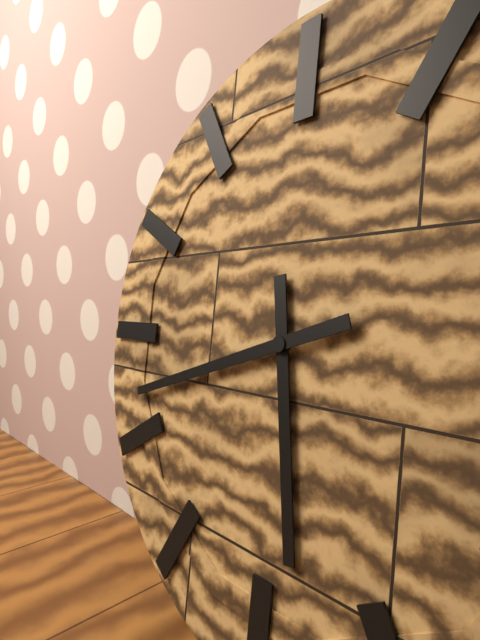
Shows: 5:42
